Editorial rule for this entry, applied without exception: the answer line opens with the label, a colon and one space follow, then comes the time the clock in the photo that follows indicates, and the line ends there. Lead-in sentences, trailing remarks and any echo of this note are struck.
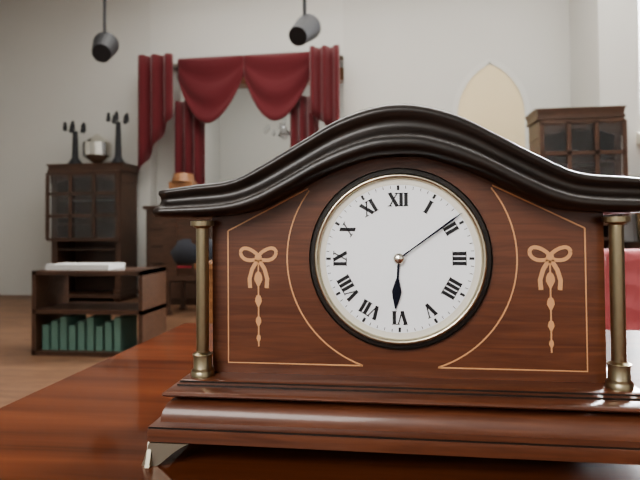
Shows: 6:09
